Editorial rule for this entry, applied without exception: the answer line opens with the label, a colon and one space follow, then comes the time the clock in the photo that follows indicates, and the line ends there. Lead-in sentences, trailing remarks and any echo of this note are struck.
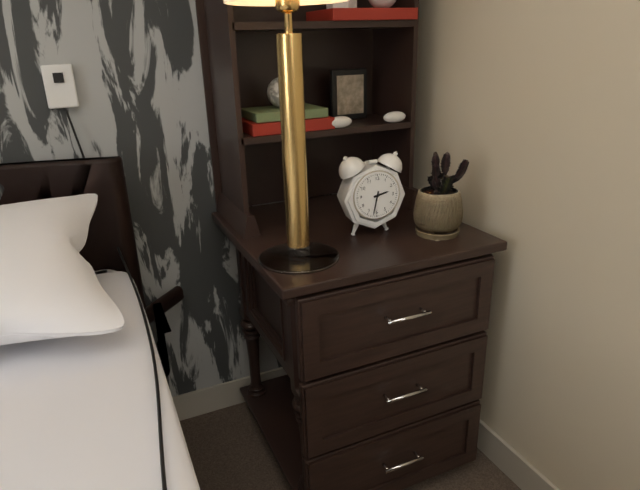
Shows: 2:32
